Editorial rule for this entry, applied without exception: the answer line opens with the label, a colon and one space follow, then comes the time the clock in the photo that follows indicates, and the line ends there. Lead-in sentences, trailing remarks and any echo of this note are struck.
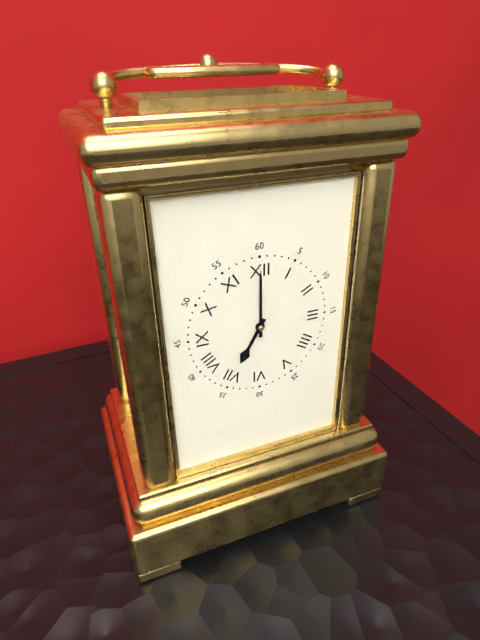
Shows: 7:00
